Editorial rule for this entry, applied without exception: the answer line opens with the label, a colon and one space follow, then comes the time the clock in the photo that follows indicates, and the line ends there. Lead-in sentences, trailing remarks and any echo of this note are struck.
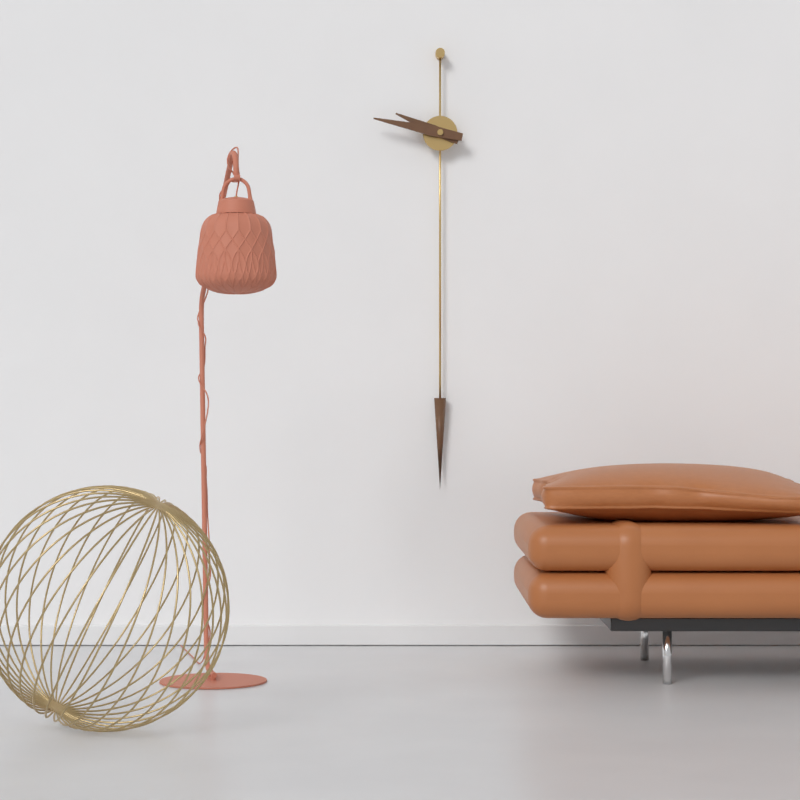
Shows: 9:47
